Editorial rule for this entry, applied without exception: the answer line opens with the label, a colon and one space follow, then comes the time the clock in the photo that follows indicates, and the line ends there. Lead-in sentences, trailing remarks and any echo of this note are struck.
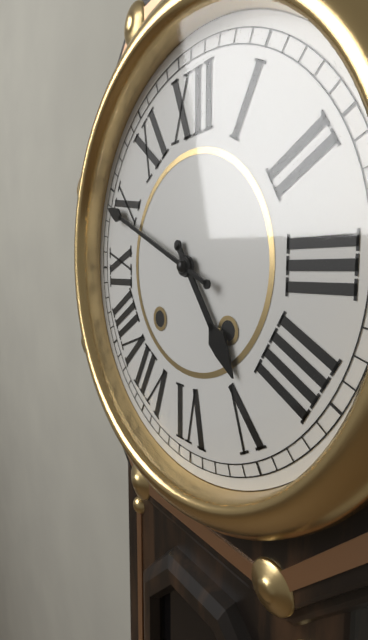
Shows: 4:49
